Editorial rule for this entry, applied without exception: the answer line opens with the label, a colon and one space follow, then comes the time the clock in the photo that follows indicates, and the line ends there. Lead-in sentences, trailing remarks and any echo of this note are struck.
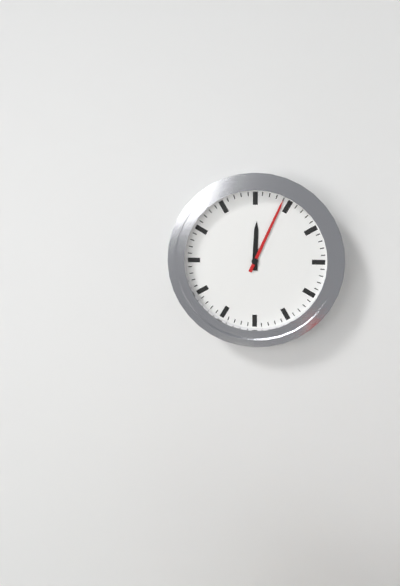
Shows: 12:04
